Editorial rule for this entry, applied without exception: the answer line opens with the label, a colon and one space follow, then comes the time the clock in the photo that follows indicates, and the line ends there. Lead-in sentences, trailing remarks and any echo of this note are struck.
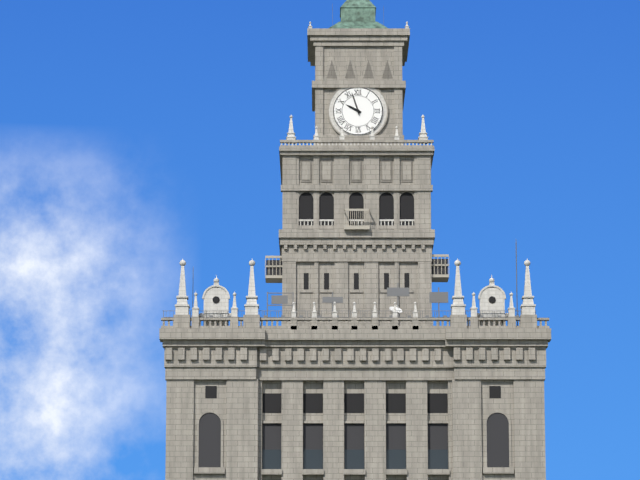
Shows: 9:57
